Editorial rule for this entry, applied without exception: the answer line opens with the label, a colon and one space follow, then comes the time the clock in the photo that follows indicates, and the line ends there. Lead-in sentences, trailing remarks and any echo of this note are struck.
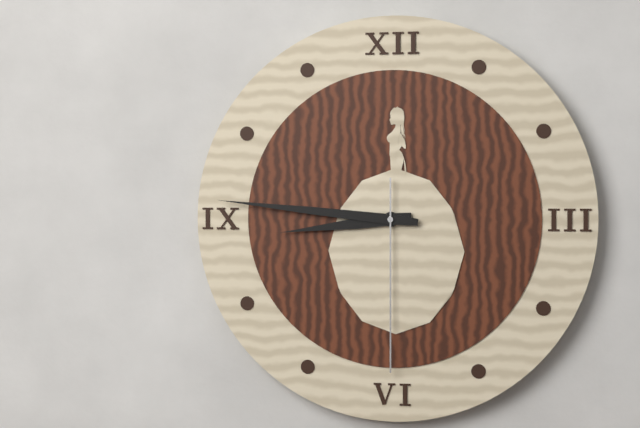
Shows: 8:46:30
